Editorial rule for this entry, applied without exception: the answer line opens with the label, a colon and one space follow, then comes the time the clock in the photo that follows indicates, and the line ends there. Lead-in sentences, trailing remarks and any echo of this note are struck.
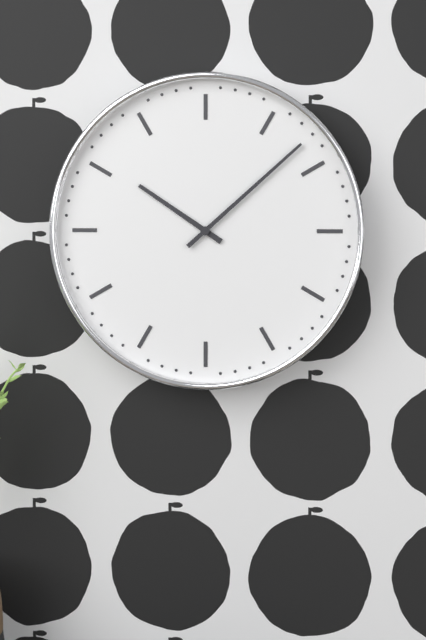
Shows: 10:08
